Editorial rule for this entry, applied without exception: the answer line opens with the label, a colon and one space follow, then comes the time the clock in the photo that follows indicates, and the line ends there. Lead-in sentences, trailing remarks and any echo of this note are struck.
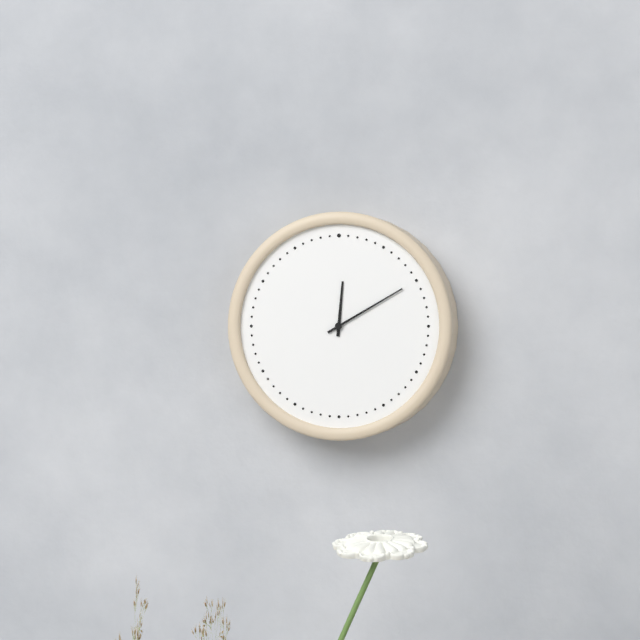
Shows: 12:10
